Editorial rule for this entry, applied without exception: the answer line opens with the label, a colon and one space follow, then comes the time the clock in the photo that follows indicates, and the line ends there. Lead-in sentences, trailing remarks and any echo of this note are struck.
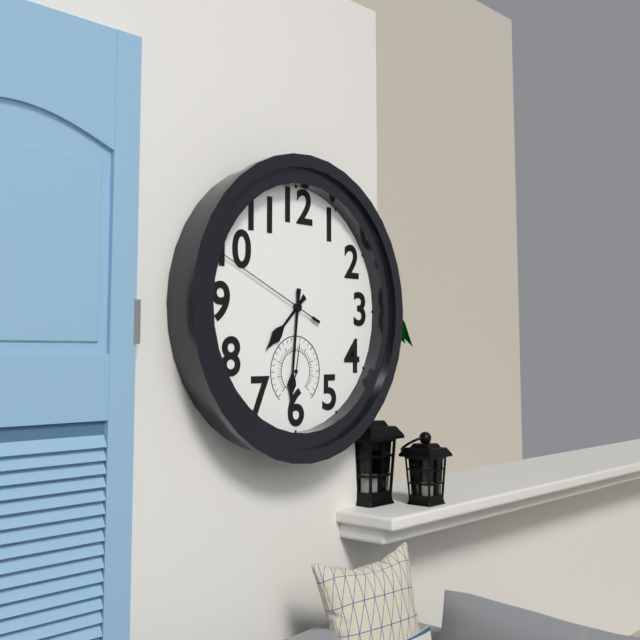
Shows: 7:31:49
